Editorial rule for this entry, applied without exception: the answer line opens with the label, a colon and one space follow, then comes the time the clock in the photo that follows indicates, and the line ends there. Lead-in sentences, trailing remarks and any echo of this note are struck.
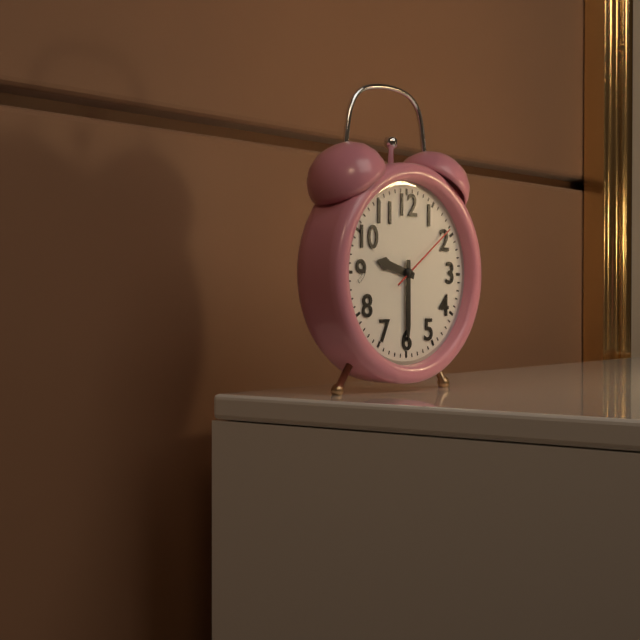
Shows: 9:30:09
